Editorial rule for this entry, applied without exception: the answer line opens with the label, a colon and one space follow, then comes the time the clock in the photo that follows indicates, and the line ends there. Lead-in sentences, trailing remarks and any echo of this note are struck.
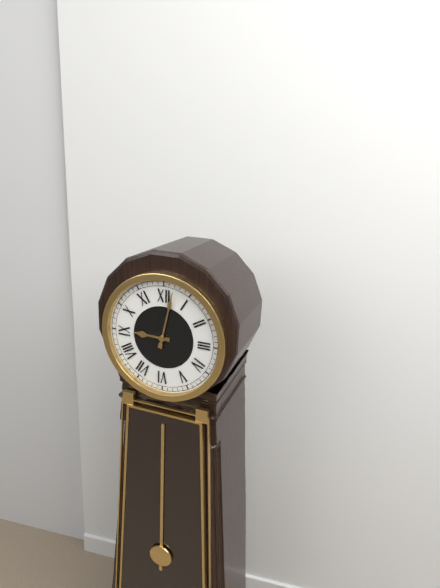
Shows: 9:02
